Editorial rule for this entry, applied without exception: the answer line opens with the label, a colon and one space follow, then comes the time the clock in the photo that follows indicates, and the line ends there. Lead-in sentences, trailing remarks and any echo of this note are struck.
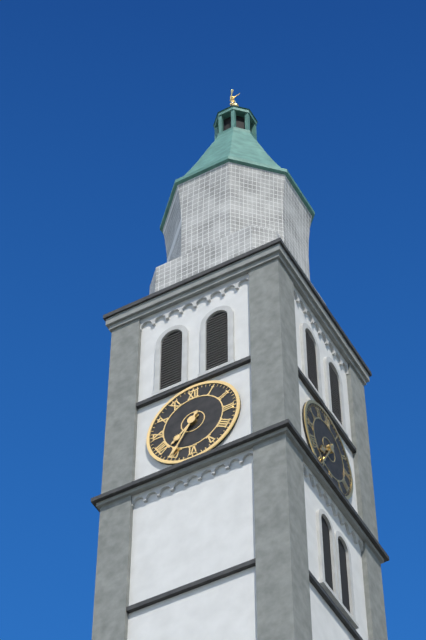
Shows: 7:35
